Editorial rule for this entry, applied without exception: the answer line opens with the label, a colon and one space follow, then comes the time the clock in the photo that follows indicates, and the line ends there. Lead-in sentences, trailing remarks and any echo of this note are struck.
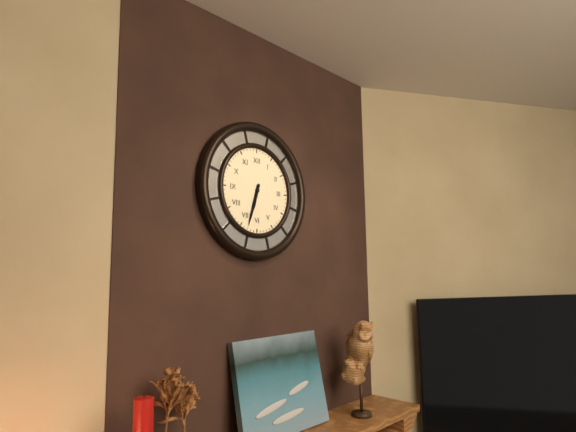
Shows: 6:33
